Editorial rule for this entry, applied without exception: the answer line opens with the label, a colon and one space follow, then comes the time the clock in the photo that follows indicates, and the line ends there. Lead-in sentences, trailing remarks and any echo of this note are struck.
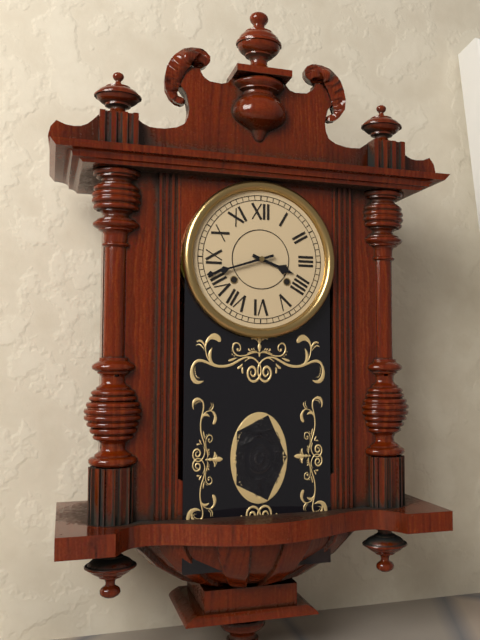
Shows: 3:42
